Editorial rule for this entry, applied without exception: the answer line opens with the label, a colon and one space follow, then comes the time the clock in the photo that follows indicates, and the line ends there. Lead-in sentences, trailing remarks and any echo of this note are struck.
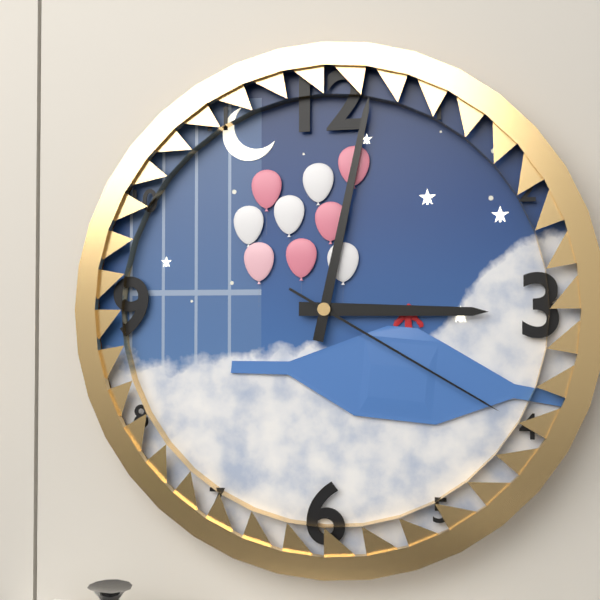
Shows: 3:02:20
